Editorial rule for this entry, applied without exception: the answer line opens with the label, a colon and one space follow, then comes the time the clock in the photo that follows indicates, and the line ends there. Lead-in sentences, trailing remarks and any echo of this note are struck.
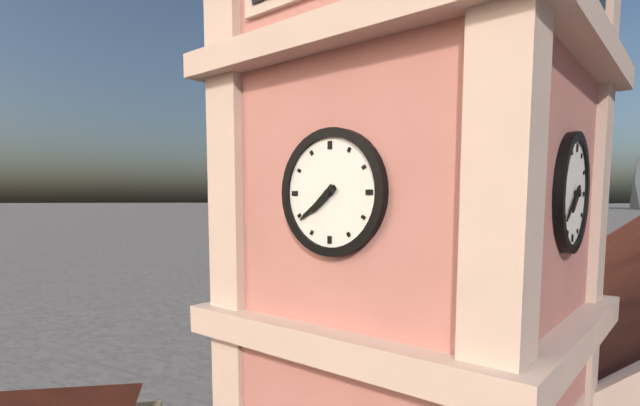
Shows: 7:39
